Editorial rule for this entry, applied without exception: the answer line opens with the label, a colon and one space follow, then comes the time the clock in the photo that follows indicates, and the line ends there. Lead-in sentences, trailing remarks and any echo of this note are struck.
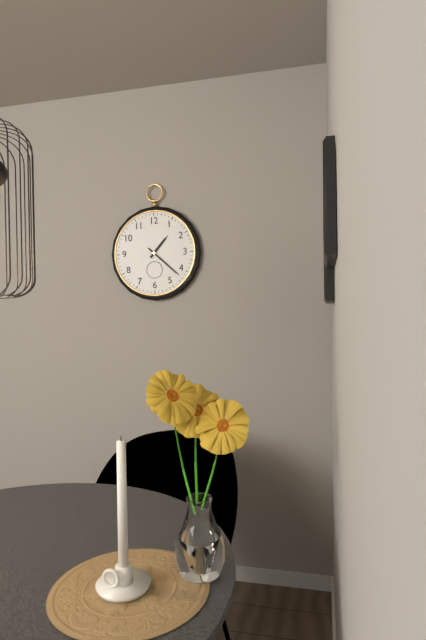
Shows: 1:22
